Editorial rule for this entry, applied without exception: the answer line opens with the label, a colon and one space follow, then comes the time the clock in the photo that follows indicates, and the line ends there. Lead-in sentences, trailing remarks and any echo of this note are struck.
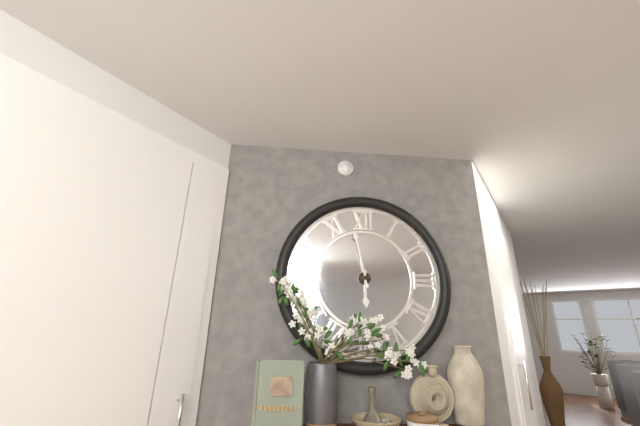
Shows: 5:58
